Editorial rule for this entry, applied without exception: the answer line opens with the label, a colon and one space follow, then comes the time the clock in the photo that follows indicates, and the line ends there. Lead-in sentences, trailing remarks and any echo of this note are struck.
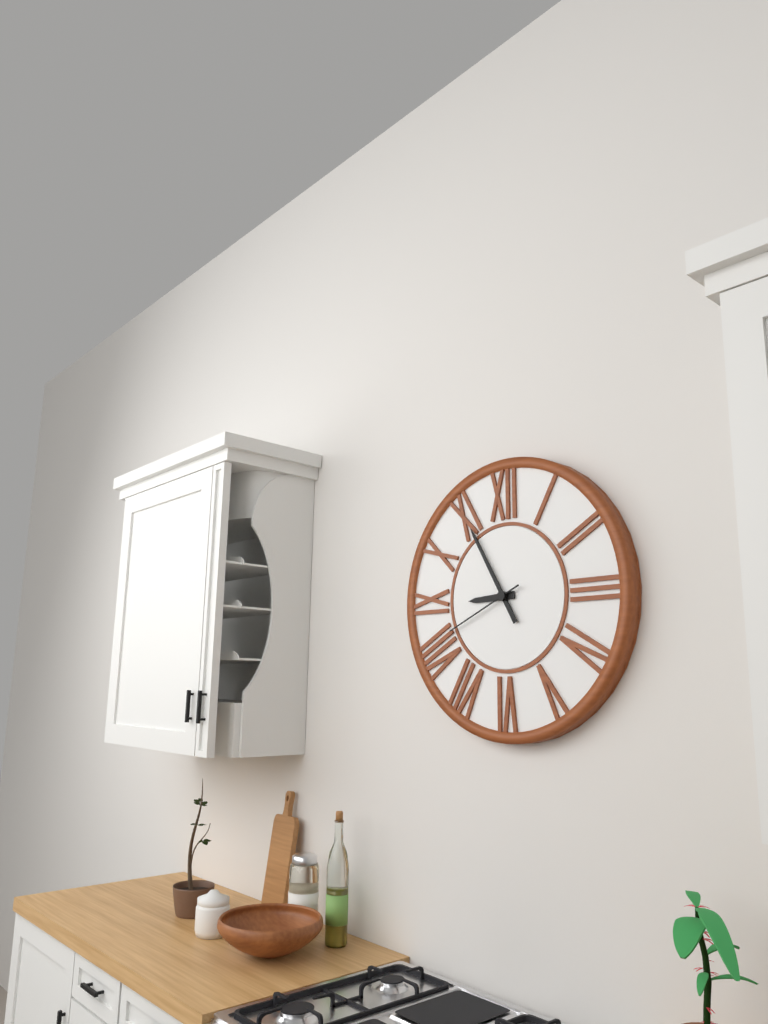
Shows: 8:55:41
